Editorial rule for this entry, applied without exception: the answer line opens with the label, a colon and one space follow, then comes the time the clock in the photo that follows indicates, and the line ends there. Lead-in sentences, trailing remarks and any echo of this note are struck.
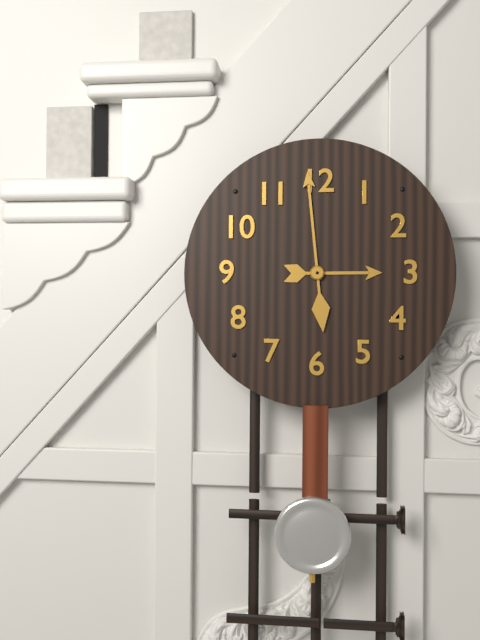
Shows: 2:59
